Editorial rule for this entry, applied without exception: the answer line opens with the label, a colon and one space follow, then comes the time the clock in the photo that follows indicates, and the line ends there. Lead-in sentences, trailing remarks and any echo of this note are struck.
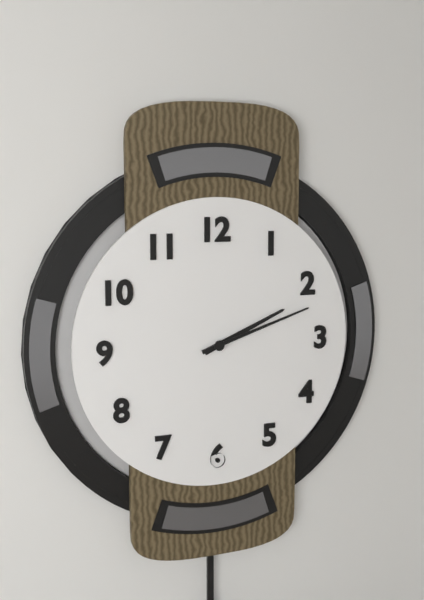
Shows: 2:12
